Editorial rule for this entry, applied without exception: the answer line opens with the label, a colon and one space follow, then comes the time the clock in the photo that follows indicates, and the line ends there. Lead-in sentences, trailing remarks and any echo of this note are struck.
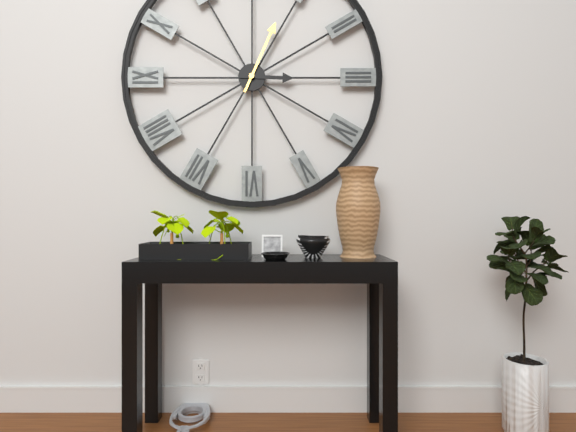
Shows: 3:04
